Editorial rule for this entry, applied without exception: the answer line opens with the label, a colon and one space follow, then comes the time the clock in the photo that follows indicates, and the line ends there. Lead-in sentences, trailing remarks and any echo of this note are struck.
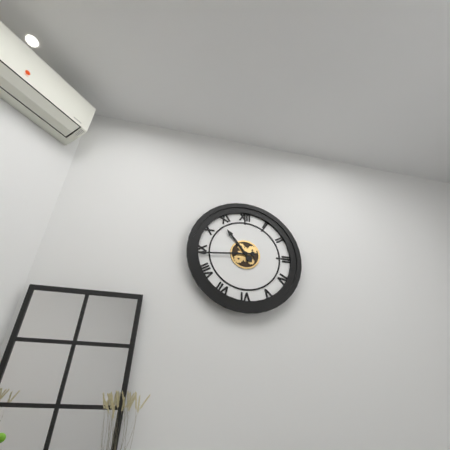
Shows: 10:44
